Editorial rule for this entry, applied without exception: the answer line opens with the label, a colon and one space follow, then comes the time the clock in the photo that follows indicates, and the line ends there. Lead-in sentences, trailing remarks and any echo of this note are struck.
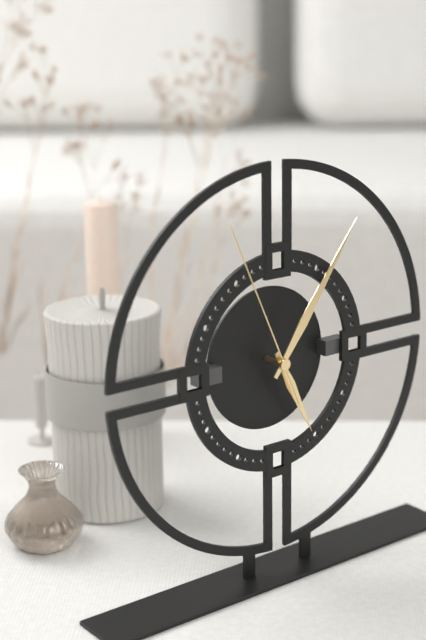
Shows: 5:06:56
